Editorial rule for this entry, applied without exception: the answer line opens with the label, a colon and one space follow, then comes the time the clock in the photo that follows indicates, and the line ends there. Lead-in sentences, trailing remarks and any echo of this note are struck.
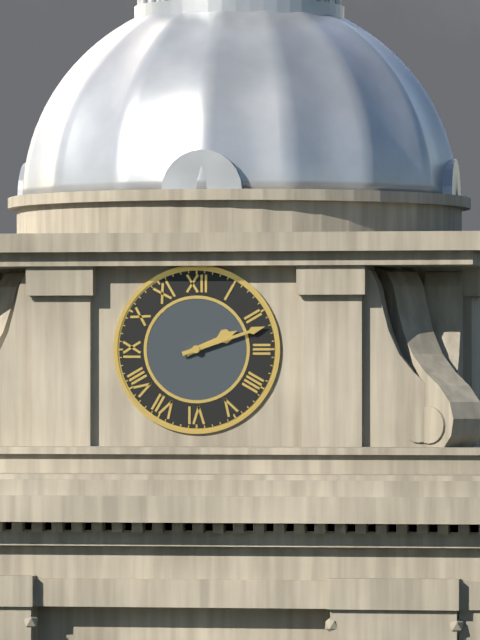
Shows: 2:12
